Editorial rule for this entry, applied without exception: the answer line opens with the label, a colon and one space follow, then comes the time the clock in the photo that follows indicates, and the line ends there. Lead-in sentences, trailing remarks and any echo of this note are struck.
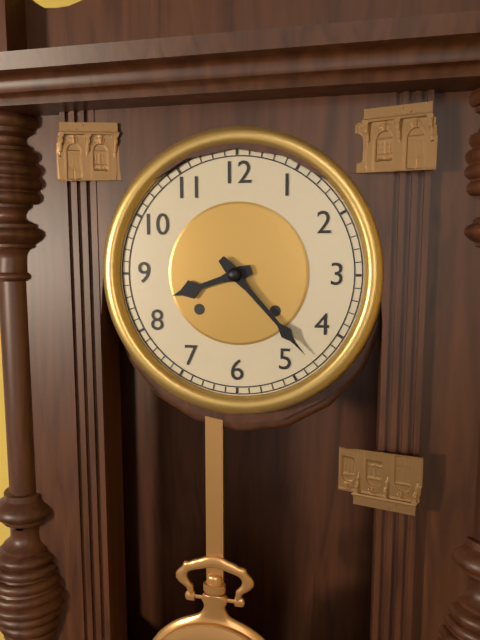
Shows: 8:23
